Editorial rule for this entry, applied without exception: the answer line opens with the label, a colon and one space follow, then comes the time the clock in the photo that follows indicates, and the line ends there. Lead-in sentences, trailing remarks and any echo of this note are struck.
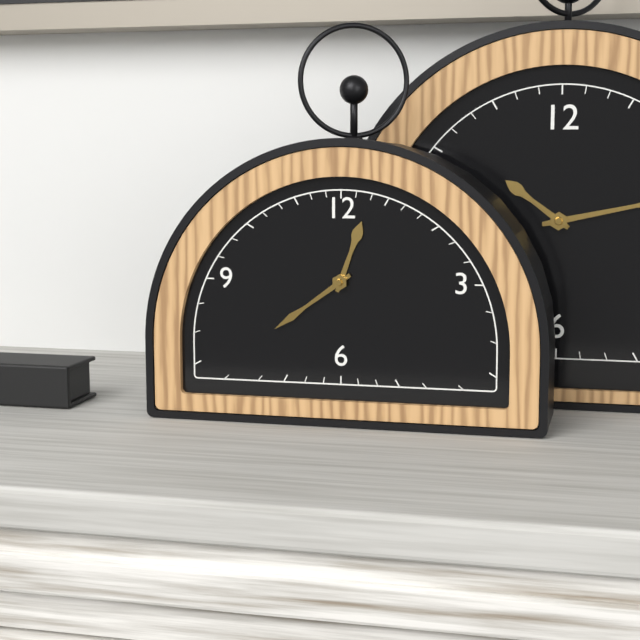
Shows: 12:39
